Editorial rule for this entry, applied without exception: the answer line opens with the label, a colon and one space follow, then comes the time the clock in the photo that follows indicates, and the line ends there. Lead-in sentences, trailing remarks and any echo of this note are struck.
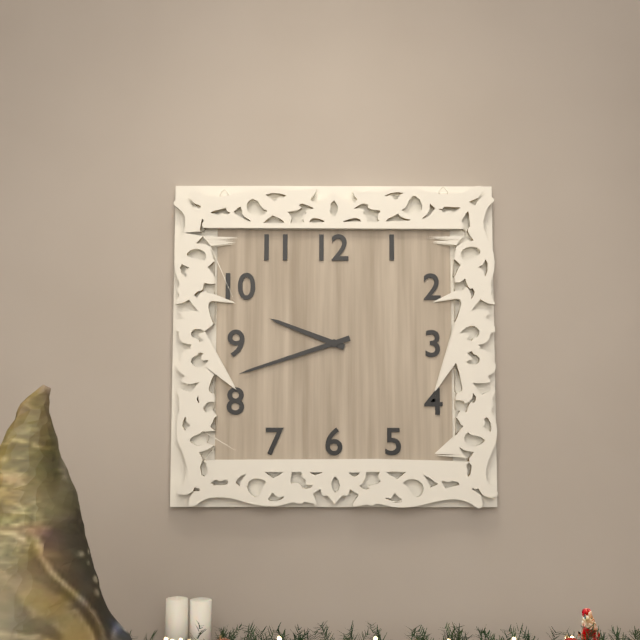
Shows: 9:42
